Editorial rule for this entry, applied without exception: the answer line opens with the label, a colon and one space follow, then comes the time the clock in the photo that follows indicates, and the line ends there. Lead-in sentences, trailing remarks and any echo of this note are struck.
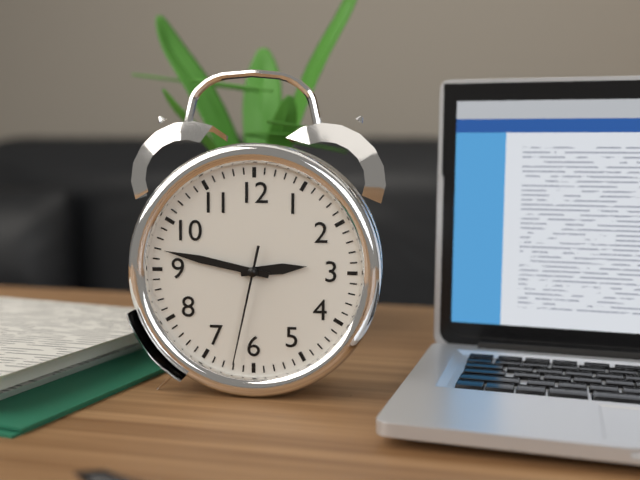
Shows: 2:47:32
